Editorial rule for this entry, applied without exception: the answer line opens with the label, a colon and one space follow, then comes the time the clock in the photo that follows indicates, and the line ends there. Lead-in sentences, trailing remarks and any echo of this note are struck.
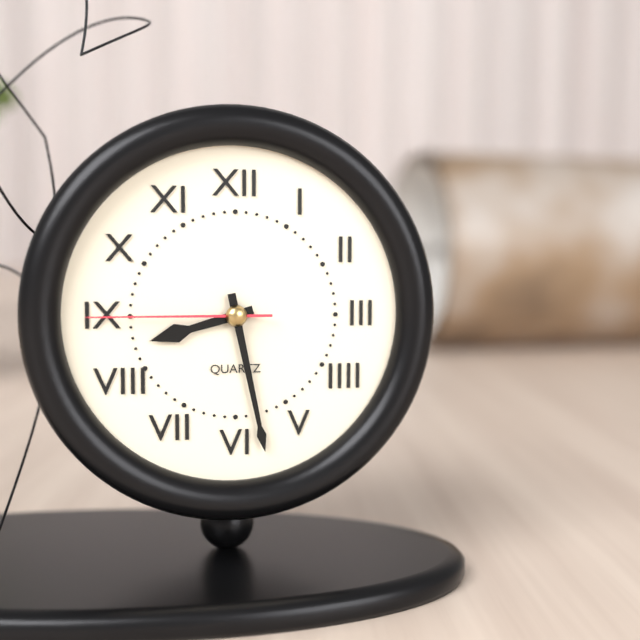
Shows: 8:28:45
